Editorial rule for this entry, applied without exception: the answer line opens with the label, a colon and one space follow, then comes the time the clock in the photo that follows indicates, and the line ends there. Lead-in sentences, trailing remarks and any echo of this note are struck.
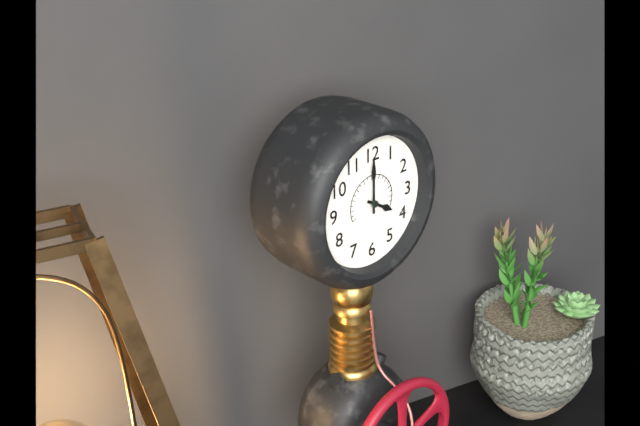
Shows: 4:00
